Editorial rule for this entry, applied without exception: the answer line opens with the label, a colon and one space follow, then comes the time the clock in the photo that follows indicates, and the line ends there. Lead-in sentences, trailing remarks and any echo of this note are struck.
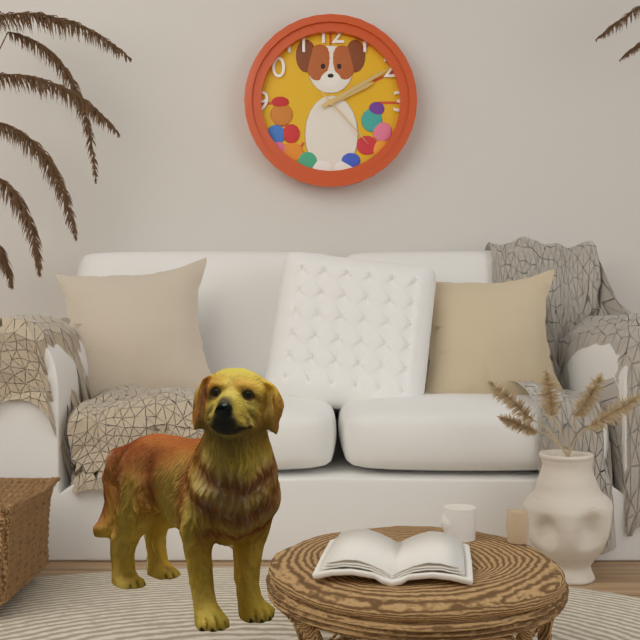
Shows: 2:10:23
